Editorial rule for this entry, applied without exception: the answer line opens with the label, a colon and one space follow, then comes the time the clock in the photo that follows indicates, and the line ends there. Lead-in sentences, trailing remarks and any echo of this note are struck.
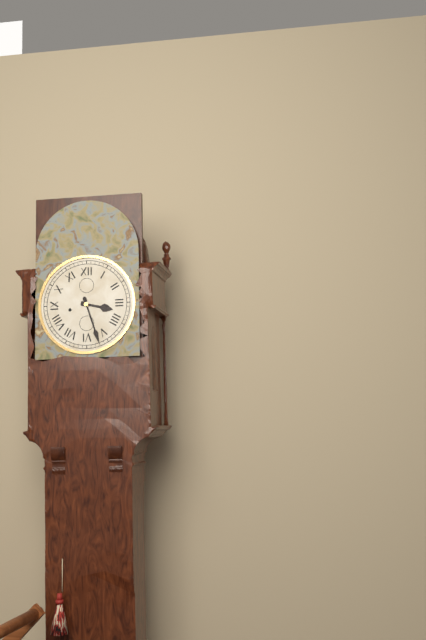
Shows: 3:27
